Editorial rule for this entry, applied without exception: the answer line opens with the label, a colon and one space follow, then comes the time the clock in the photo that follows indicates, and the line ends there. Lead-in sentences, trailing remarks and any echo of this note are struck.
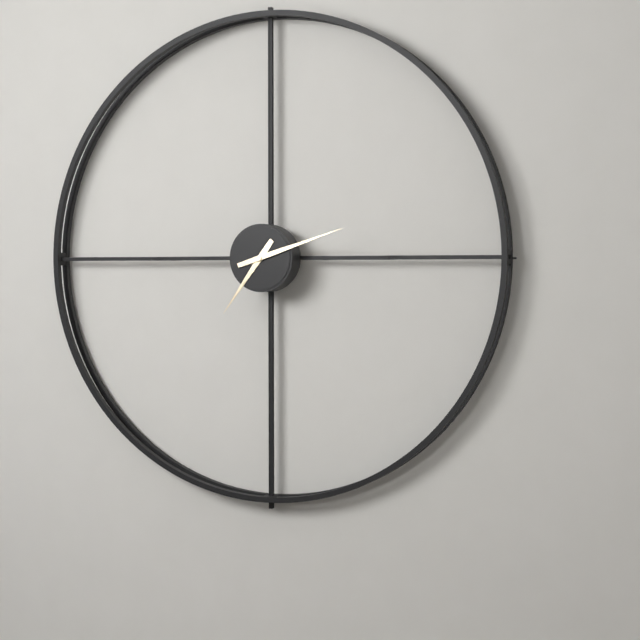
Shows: 7:12
